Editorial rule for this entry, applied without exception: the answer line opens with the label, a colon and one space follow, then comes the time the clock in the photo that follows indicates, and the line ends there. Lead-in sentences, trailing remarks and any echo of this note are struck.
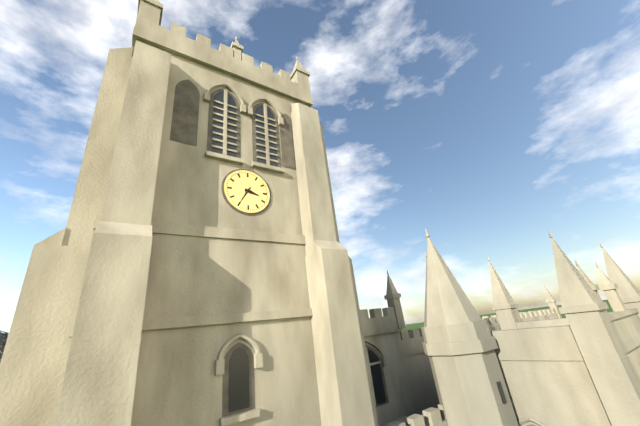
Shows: 3:35
